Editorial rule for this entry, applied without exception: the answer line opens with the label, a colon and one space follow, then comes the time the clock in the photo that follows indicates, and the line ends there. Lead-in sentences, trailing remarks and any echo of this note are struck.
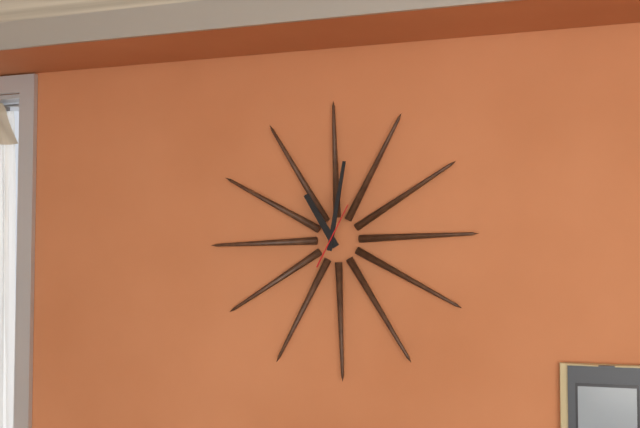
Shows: 11:02
